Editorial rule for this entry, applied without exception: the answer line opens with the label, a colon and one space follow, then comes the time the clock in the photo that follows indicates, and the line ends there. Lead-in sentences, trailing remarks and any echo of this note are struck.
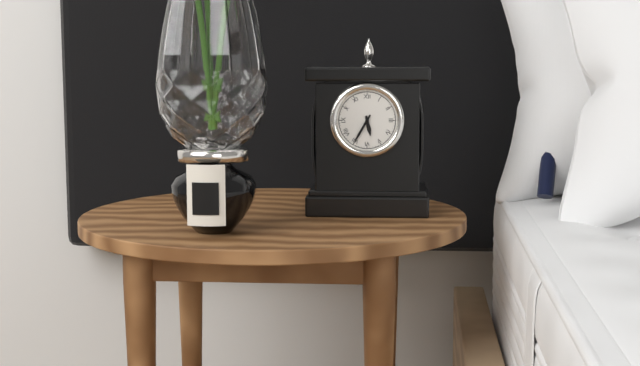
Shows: 5:35
